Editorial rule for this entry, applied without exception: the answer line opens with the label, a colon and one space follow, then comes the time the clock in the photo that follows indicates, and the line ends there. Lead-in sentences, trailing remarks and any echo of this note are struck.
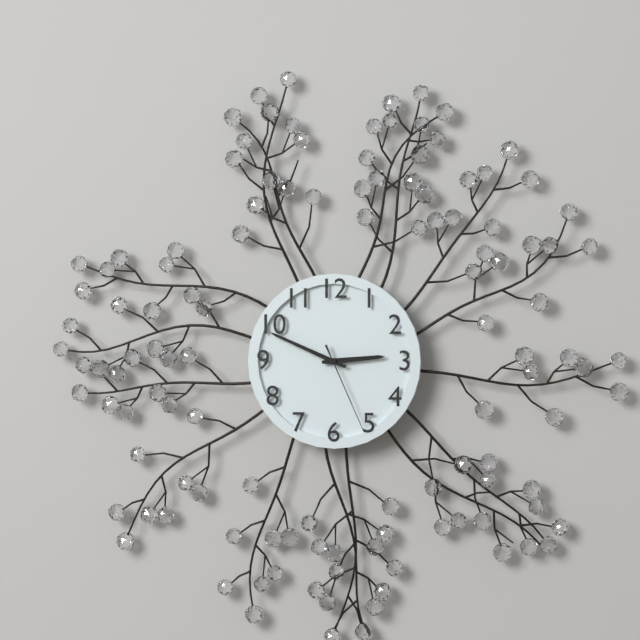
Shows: 2:49:26
